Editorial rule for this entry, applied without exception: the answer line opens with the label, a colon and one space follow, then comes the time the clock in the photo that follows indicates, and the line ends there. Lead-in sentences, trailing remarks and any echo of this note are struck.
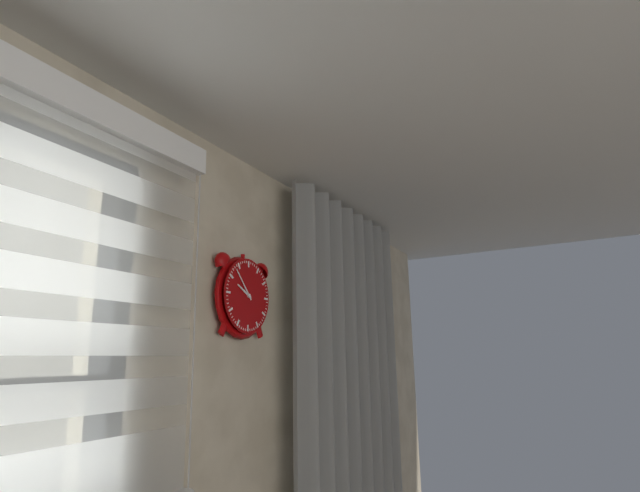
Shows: 9:53
